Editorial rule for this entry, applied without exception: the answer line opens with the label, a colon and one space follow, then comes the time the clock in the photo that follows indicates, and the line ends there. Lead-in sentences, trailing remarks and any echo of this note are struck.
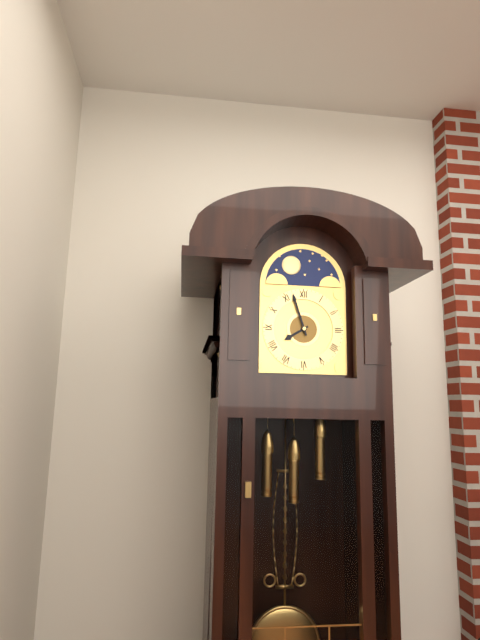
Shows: 7:57
